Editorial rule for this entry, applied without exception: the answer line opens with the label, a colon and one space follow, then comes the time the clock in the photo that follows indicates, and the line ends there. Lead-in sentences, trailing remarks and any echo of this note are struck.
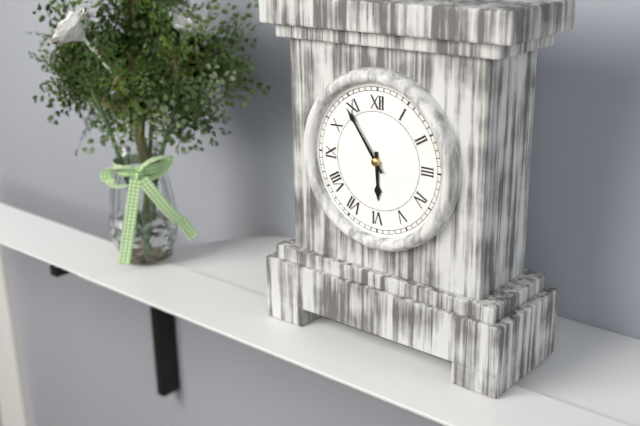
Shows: 5:54
